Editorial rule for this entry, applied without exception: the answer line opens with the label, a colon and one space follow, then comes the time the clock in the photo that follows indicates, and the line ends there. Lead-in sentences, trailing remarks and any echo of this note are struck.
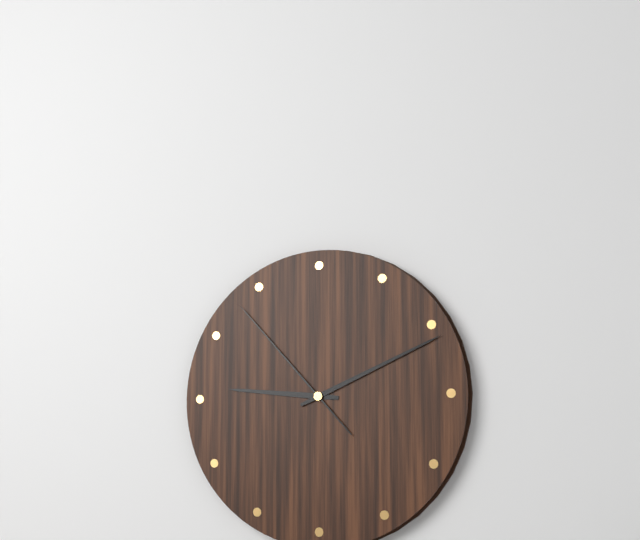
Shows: 9:11:53
